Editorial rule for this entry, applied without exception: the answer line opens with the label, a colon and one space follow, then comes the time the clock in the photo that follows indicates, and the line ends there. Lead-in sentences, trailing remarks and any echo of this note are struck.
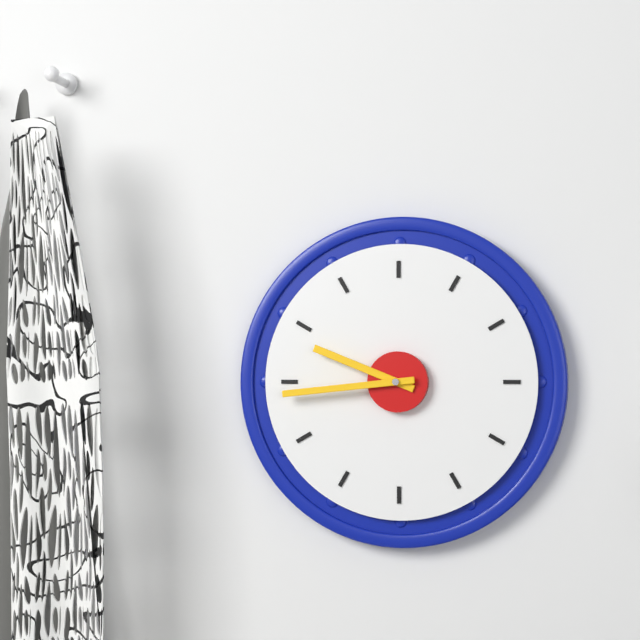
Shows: 9:44
